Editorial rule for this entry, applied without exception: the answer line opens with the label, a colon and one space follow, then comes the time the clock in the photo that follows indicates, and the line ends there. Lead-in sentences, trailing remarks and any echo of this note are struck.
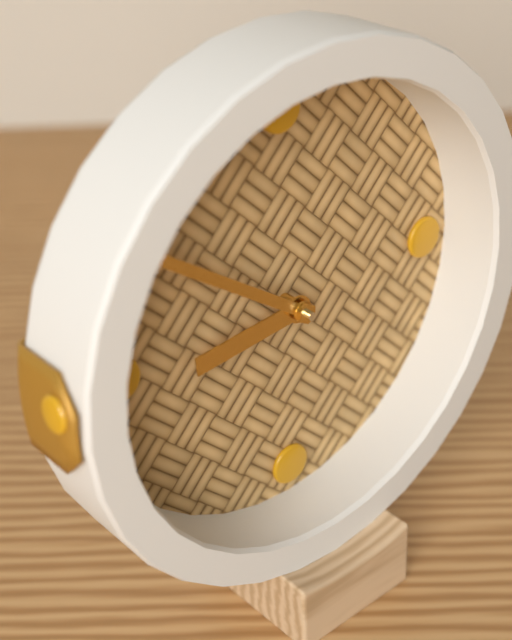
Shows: 8:51
